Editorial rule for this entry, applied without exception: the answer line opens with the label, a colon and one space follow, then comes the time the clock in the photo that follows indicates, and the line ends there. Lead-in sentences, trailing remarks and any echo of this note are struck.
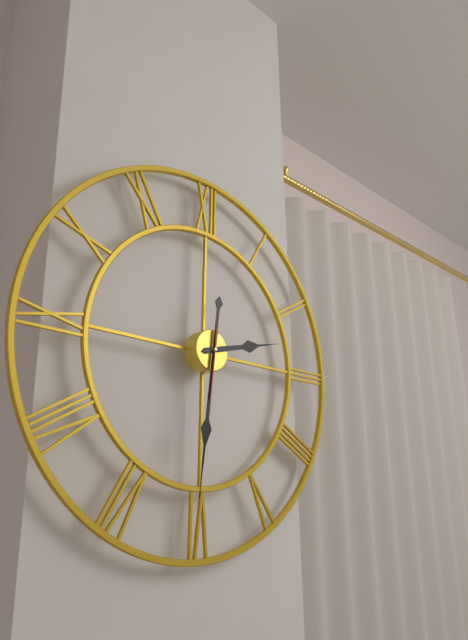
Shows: 2:31:31
